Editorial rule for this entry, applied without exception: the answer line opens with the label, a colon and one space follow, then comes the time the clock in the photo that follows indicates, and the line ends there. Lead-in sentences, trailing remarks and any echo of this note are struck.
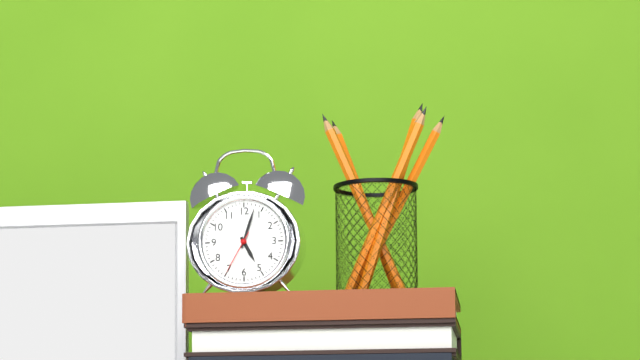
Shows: 5:03
